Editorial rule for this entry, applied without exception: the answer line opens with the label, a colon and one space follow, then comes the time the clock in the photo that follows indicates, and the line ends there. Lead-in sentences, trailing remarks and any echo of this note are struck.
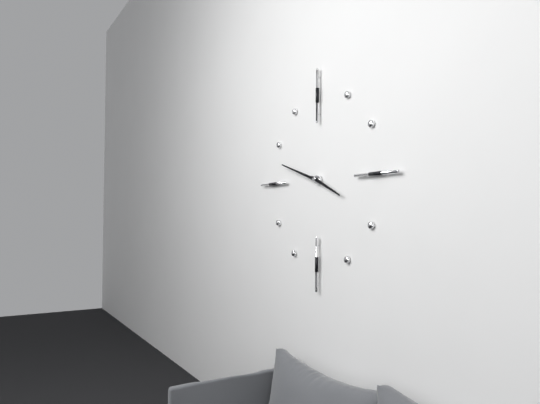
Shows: 3:48
